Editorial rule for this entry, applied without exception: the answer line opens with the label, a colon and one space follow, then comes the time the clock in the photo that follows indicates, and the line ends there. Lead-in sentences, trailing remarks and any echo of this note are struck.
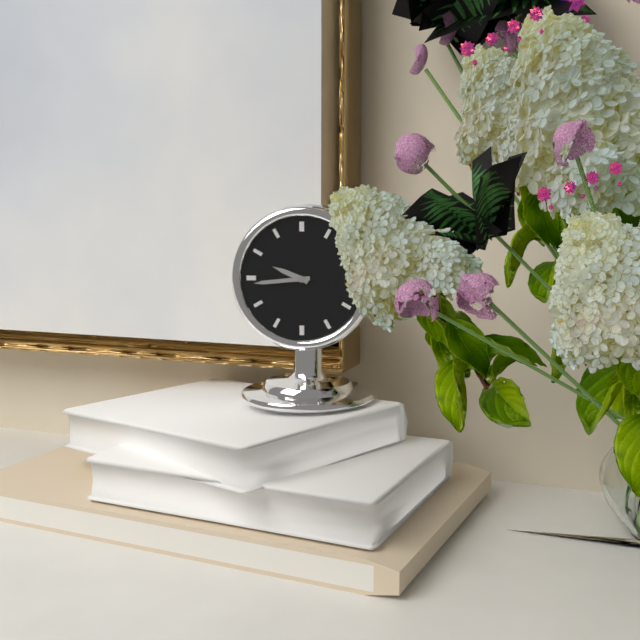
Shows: 9:44
